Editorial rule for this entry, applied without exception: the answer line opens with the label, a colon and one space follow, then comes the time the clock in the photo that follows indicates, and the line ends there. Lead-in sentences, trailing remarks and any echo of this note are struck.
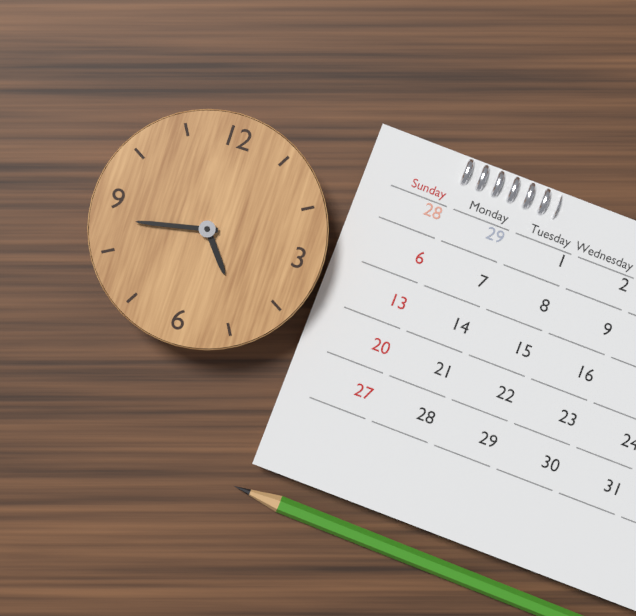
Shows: 4:43
